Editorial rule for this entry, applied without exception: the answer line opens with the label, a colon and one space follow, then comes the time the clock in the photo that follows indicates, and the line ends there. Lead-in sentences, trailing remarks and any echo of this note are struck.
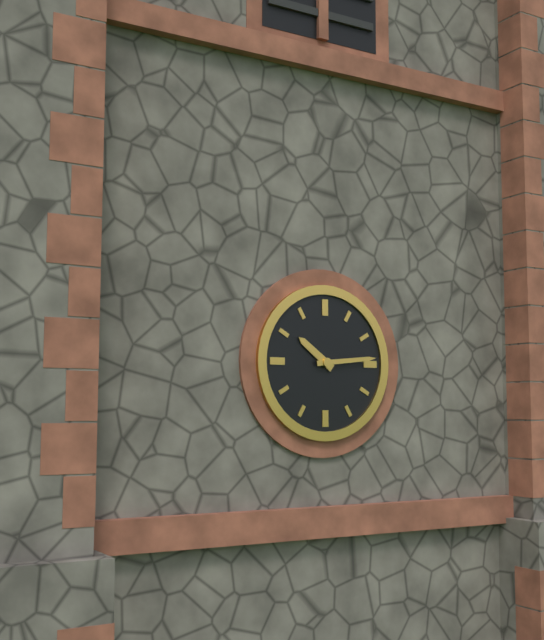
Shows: 10:14
